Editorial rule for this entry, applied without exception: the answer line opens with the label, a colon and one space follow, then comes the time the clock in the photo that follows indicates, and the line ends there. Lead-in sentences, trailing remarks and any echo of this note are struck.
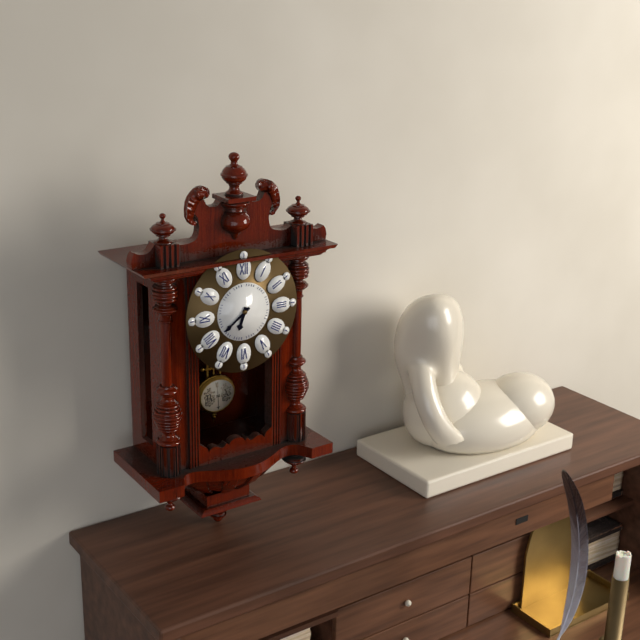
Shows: 6:39
